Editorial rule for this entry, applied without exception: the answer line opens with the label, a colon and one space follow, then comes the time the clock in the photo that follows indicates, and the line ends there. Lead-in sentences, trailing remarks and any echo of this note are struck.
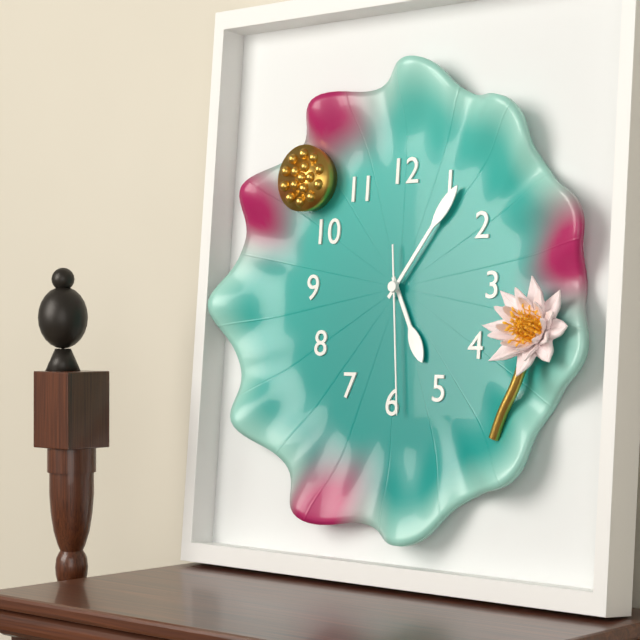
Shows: 5:06:29
